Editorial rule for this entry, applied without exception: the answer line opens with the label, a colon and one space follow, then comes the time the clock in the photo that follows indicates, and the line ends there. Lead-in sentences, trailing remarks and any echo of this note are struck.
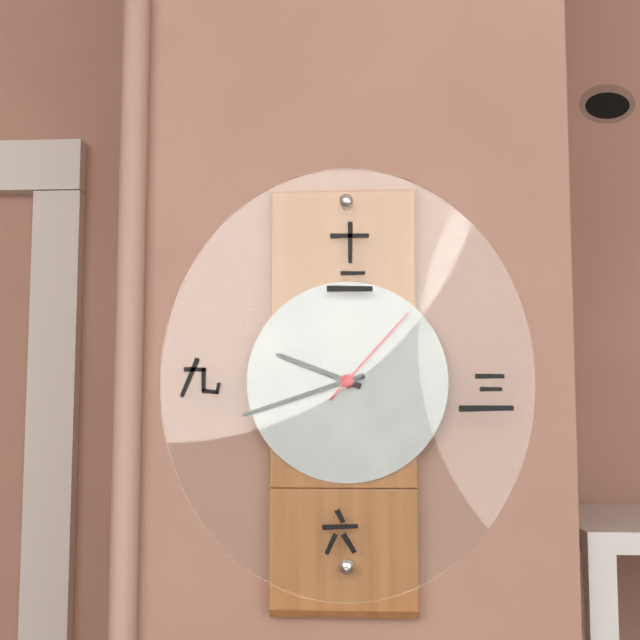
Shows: 9:42:07
